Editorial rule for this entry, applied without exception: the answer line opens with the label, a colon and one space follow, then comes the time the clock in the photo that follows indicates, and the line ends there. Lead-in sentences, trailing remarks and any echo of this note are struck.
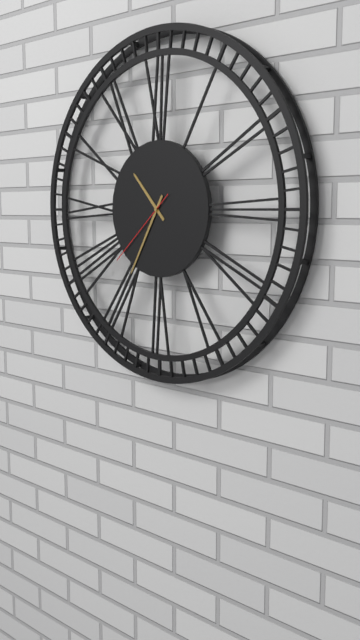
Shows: 10:35:38
